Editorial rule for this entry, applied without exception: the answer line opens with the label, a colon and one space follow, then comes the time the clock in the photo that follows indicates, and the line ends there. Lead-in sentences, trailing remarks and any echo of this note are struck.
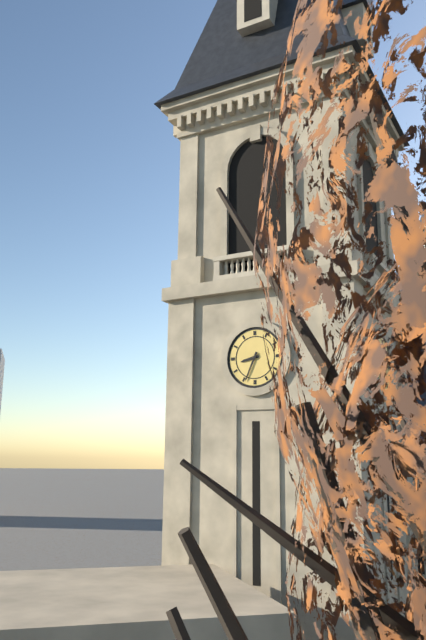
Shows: 8:34
